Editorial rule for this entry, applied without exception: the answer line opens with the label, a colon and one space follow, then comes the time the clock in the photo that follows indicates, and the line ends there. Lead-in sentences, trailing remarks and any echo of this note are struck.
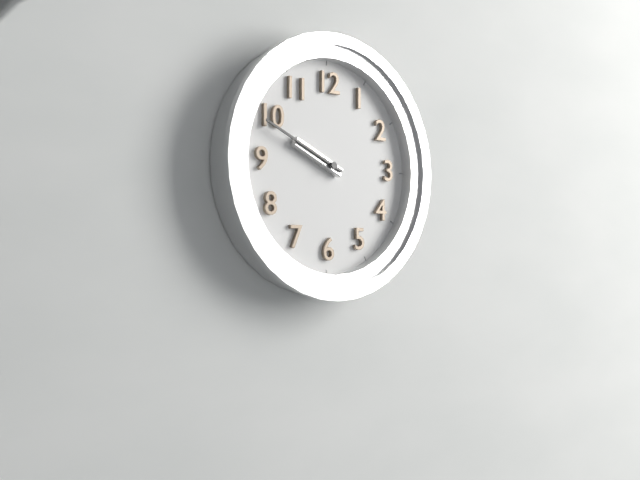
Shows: 9:49
